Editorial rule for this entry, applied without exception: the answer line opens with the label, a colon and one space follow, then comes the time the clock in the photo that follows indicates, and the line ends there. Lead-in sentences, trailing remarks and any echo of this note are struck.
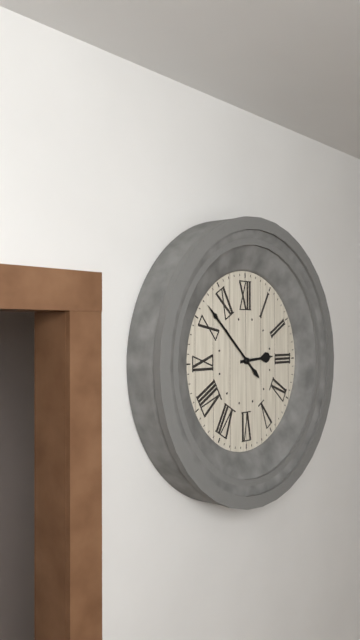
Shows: 2:52
